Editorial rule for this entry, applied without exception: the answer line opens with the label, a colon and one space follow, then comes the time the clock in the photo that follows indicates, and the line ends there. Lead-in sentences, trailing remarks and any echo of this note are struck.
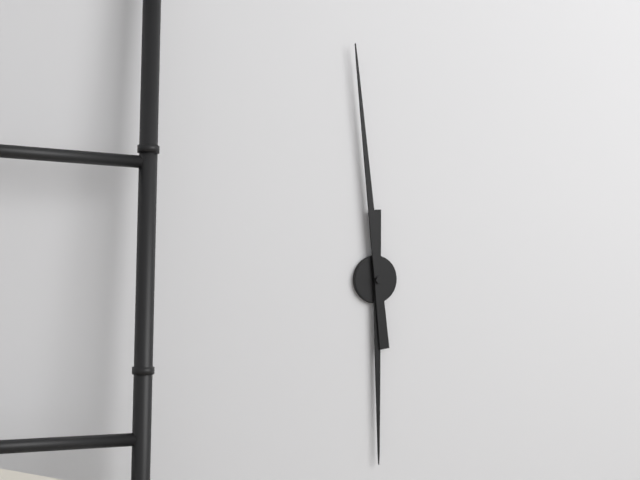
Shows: 5:59
